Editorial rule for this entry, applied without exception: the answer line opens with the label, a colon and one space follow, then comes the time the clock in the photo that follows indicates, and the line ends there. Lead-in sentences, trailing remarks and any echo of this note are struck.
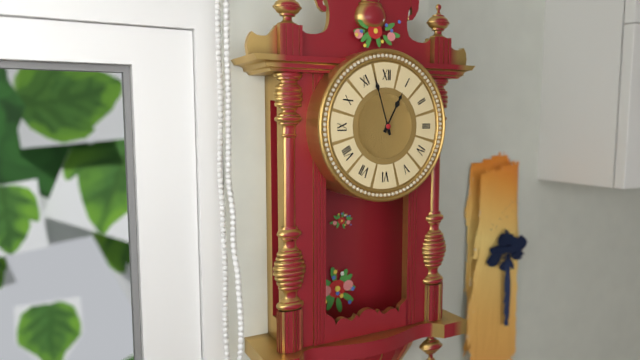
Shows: 12:57
